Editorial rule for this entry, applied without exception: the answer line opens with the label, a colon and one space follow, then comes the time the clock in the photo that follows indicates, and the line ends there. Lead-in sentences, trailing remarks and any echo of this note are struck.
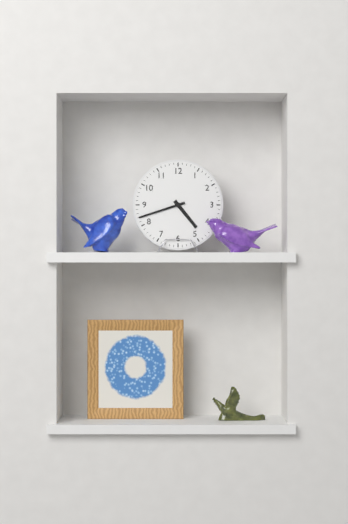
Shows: 4:42
